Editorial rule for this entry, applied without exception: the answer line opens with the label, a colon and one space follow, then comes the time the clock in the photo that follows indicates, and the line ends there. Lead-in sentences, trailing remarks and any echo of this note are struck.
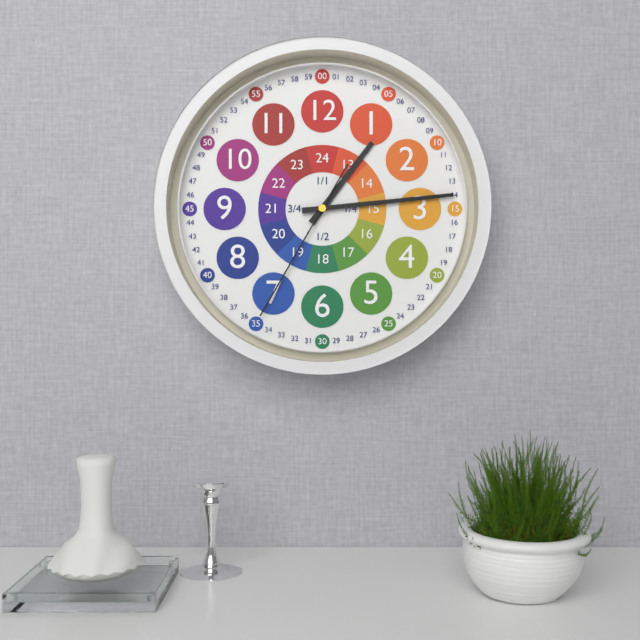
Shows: 1:14:35
